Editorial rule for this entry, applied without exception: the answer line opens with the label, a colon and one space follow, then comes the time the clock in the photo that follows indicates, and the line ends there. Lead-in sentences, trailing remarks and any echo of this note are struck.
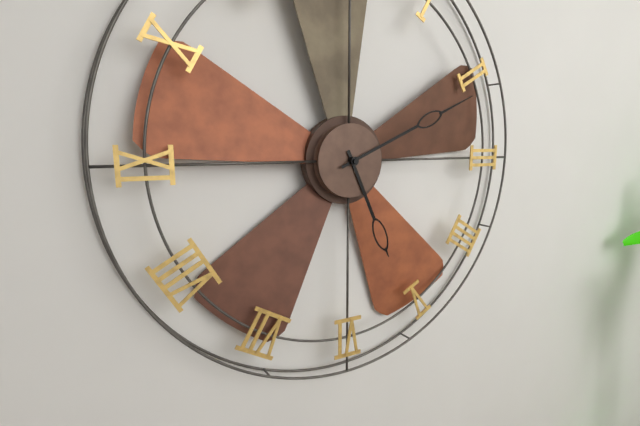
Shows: 5:11
